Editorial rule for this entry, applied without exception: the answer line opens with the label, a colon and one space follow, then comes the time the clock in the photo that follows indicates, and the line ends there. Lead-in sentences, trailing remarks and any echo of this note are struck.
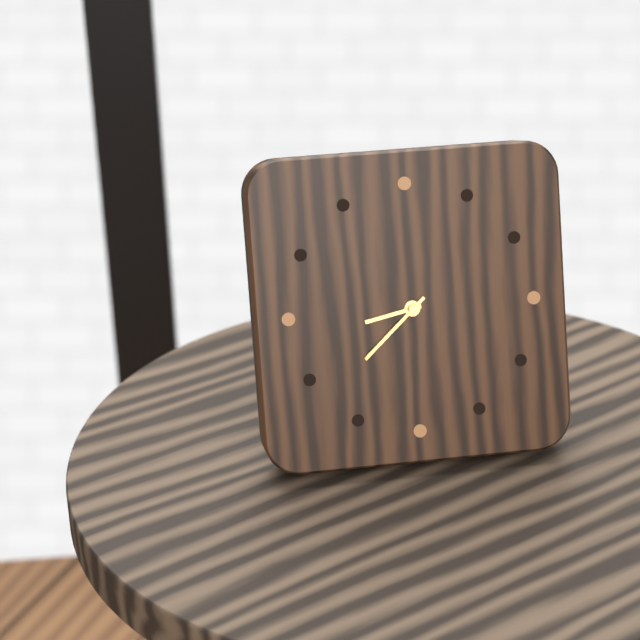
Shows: 8:38
